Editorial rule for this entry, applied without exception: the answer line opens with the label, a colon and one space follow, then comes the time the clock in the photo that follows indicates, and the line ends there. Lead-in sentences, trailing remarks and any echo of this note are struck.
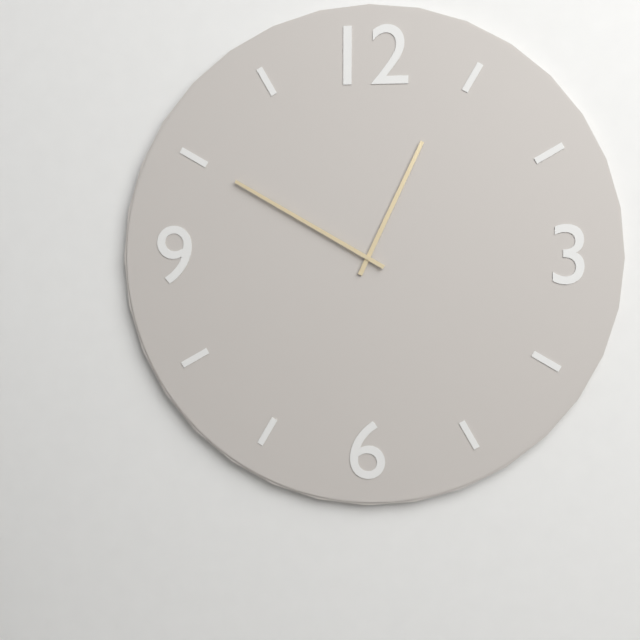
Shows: 12:50
